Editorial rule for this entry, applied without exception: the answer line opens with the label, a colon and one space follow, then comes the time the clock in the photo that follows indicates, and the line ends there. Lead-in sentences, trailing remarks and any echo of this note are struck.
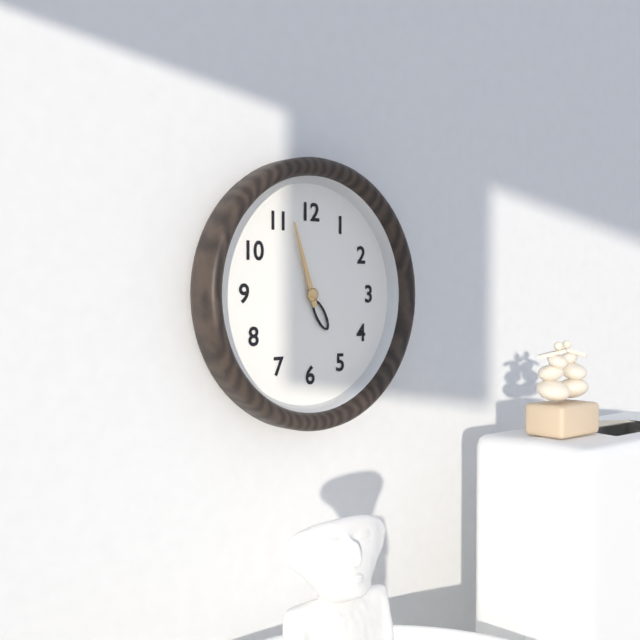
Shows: 4:57
